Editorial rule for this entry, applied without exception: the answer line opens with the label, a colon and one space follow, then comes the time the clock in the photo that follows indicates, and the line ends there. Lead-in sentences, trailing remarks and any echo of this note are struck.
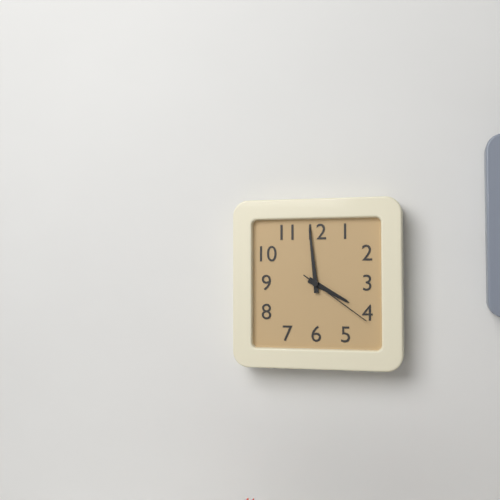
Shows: 3:59:21
